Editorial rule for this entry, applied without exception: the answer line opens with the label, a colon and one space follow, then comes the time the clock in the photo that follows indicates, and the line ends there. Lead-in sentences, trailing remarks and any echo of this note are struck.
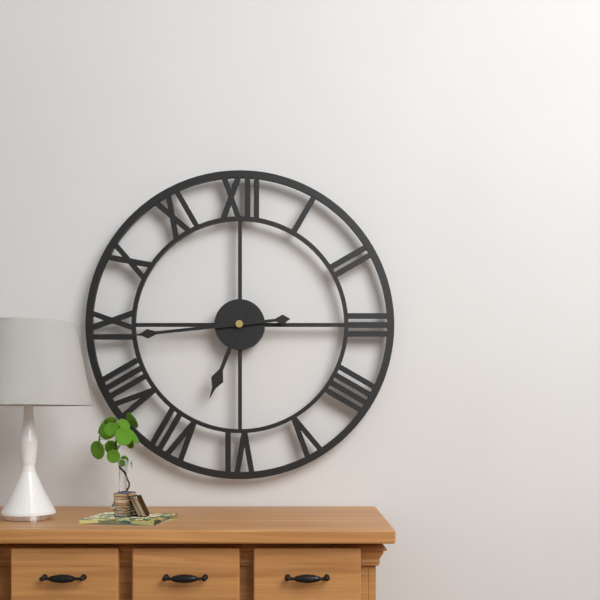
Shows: 6:44
